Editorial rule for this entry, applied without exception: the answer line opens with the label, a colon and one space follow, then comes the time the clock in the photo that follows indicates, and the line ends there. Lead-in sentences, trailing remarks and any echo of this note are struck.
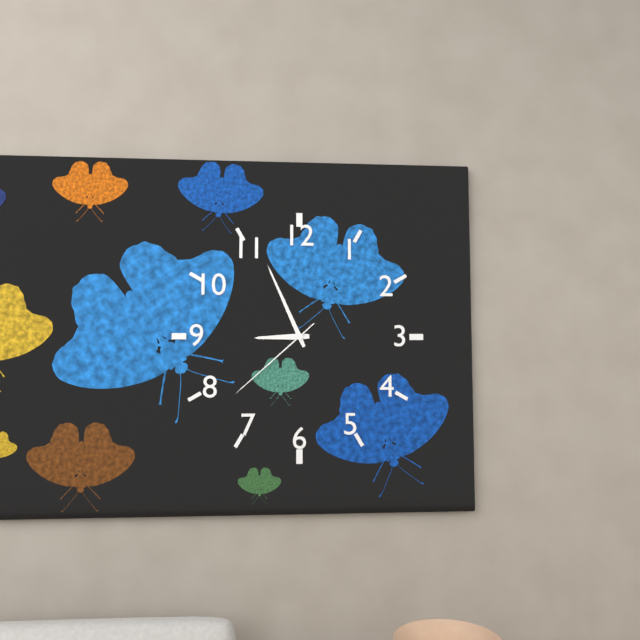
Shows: 8:56:38
